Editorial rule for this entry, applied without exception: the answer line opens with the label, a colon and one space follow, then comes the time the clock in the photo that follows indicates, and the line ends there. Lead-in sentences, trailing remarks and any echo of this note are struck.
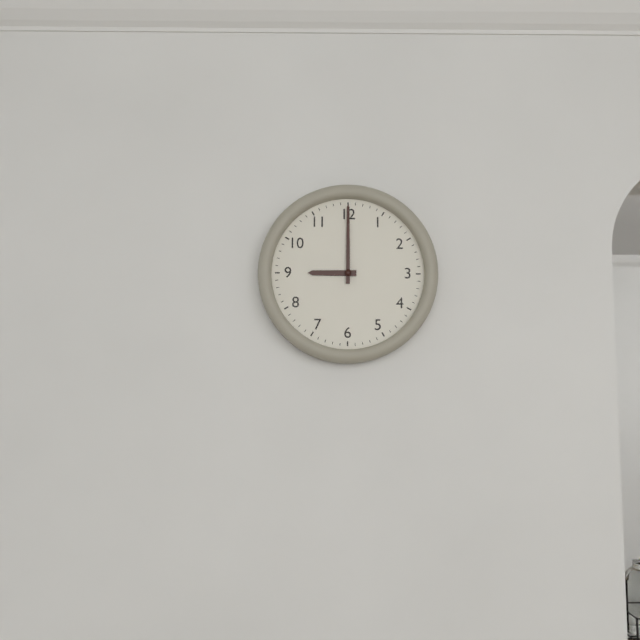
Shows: 9:00
